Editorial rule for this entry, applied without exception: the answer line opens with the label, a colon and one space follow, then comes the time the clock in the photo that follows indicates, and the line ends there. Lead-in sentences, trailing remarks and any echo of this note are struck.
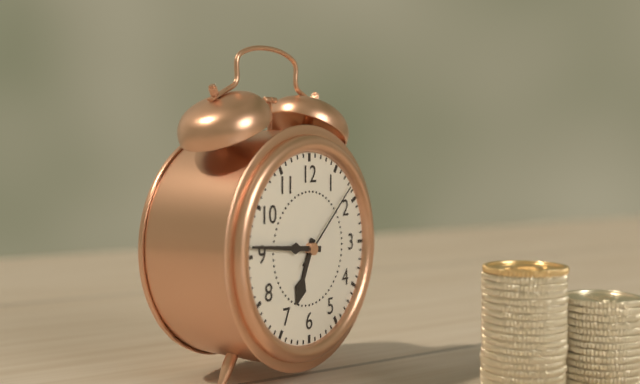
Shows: 6:46:08
